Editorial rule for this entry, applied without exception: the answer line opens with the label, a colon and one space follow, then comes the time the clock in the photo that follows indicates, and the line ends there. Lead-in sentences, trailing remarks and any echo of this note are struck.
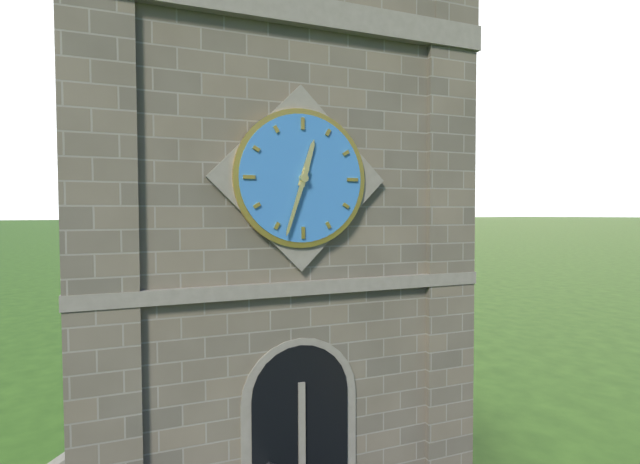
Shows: 12:33
